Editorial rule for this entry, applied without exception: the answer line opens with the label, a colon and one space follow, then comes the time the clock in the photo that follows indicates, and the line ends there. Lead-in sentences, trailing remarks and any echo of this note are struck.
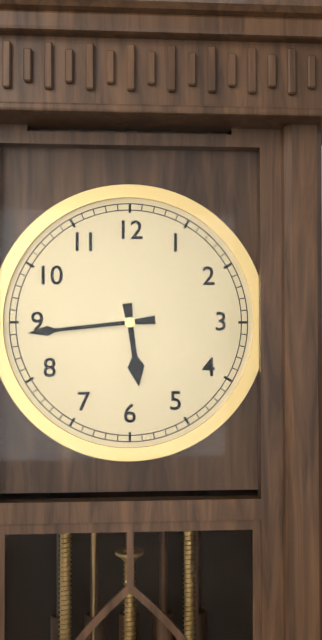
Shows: 5:44
